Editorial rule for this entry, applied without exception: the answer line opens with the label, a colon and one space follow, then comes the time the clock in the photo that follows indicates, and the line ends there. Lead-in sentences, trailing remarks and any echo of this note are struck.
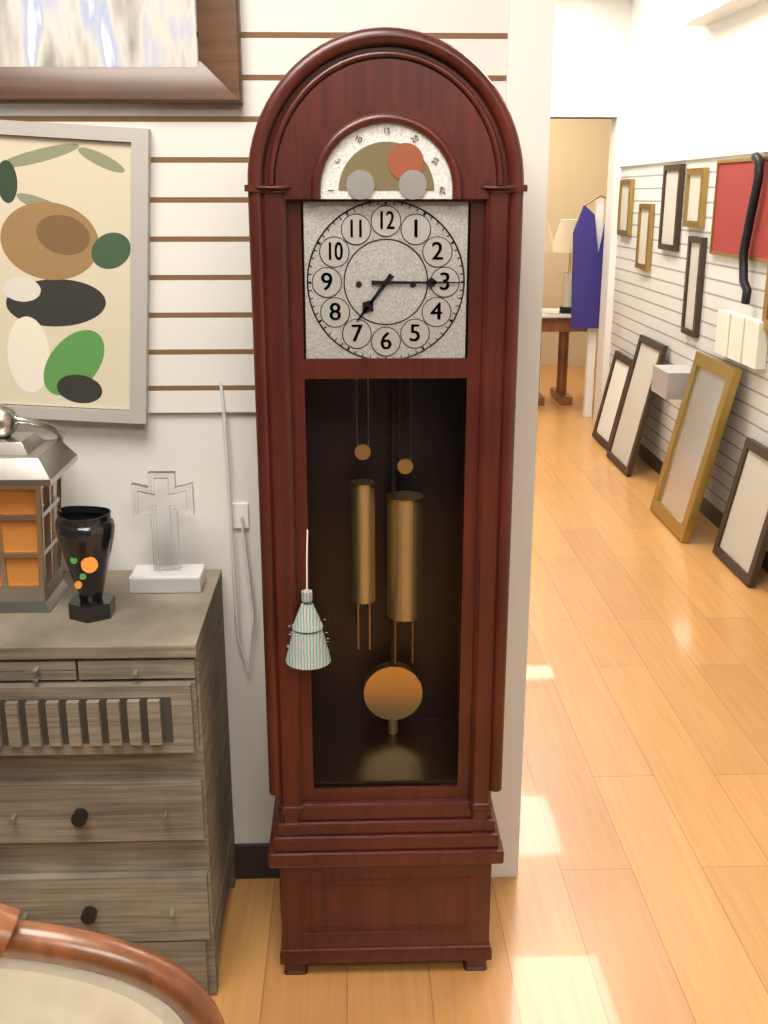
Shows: 7:15
